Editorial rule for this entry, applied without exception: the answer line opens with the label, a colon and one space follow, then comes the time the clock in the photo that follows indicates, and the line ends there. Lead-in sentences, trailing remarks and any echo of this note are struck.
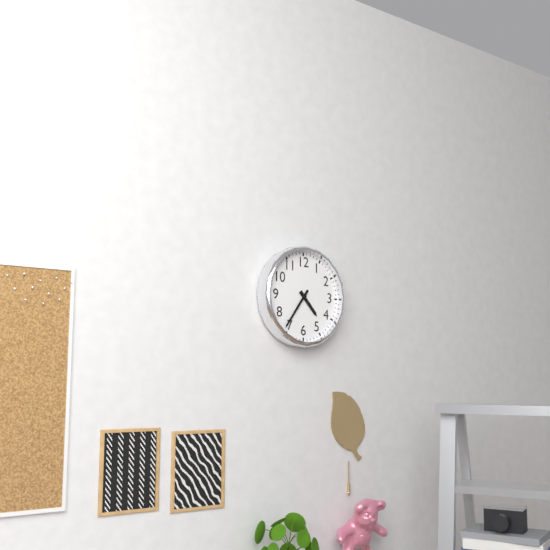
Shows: 4:36
